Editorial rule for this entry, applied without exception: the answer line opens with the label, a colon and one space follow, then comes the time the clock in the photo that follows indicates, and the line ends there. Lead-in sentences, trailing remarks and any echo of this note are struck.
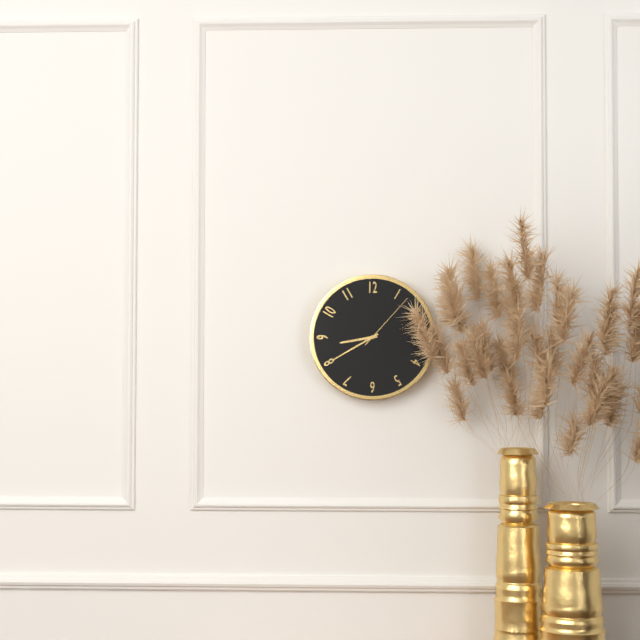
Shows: 8:40:07
